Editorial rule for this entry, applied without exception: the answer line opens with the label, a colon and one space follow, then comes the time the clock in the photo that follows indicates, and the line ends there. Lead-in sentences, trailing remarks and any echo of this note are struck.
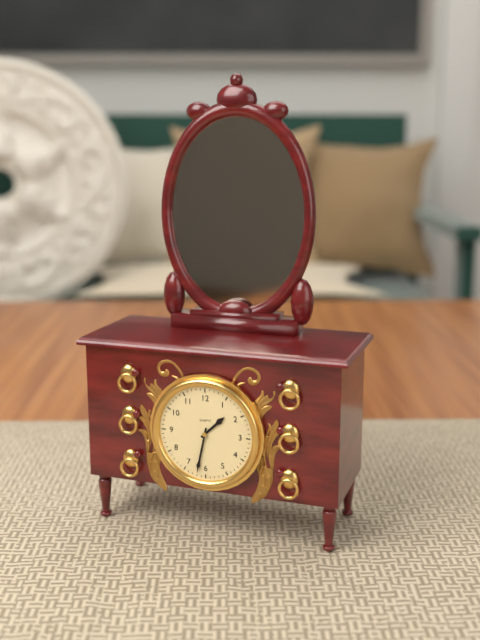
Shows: 1:32
